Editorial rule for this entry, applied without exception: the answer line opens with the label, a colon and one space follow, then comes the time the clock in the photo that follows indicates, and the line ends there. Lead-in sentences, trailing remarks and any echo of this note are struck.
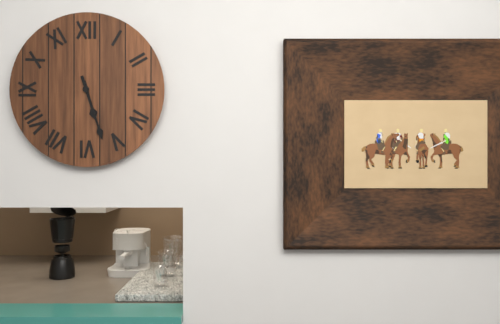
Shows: 5:27
